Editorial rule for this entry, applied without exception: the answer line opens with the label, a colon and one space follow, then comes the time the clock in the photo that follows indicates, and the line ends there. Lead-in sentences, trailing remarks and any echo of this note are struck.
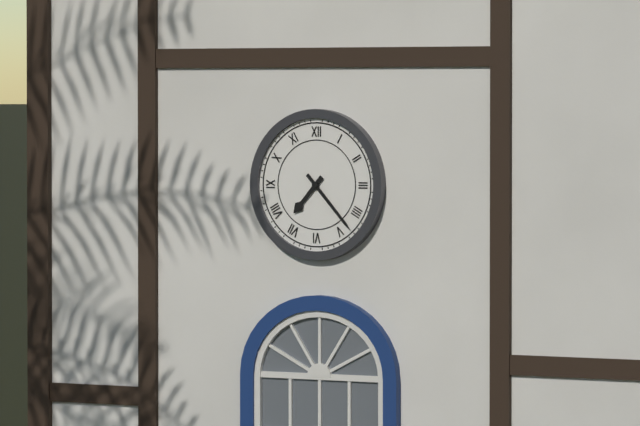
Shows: 7:23
